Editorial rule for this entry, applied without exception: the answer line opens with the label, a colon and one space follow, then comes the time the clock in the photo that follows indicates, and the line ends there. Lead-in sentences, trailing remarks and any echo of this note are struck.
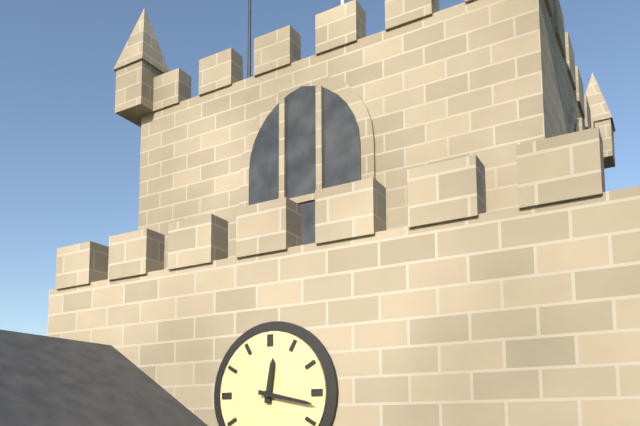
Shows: 12:17
